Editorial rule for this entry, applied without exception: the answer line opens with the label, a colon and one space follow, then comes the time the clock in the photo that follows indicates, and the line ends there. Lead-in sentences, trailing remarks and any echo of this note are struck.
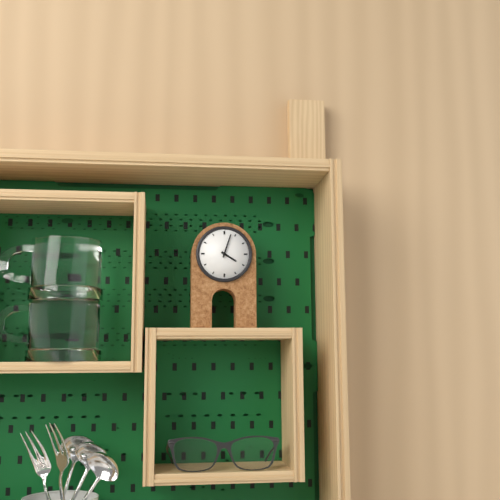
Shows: 4:03
